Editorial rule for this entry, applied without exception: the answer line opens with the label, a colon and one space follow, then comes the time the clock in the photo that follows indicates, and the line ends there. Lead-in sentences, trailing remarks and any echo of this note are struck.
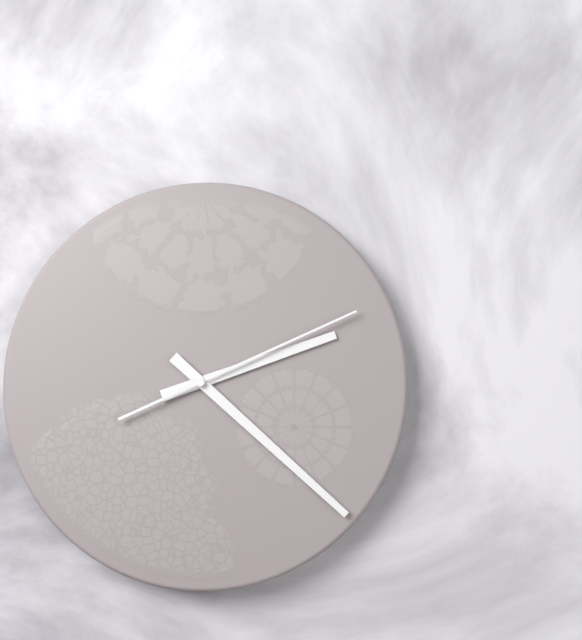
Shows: 2:22:11
